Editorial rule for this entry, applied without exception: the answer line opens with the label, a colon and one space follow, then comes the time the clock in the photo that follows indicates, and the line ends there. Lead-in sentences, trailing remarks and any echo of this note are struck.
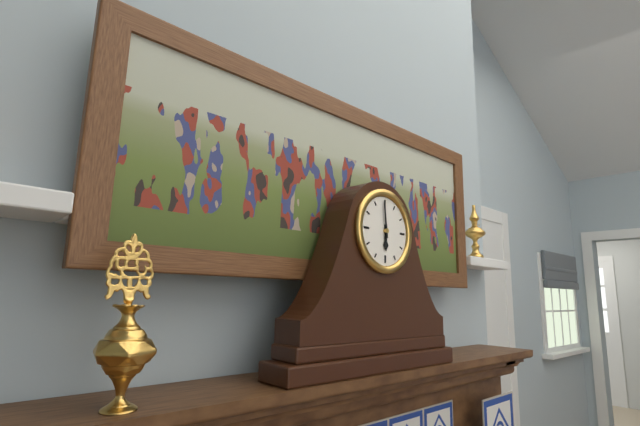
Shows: 5:59
